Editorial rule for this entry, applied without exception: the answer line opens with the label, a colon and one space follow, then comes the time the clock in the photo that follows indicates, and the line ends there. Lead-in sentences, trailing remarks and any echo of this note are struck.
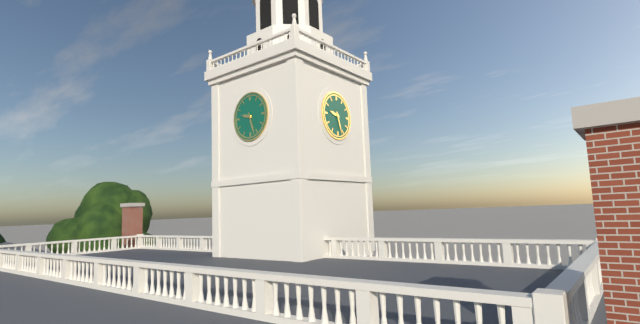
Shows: 9:27
